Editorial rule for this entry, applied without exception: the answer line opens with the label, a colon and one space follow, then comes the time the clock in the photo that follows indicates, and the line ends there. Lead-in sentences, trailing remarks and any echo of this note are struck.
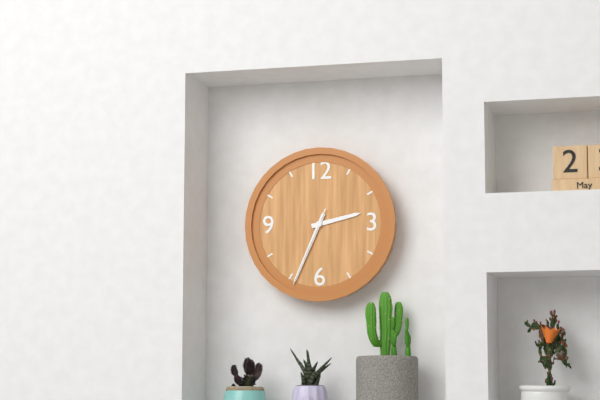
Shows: 2:34:34
